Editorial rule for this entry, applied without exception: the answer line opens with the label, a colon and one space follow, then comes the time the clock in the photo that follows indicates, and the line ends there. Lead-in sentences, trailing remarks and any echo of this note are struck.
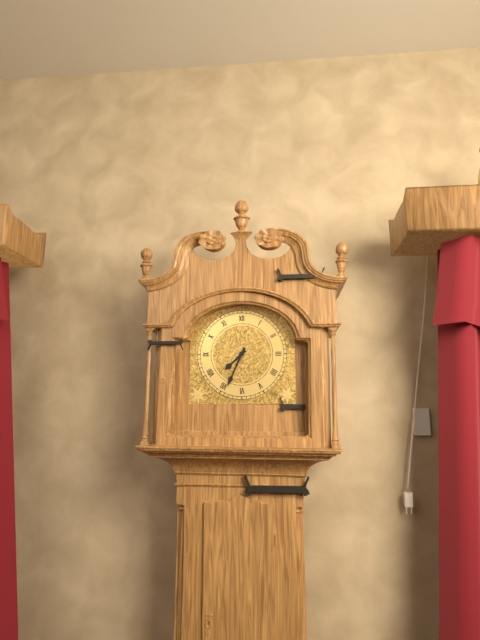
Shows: 7:34
